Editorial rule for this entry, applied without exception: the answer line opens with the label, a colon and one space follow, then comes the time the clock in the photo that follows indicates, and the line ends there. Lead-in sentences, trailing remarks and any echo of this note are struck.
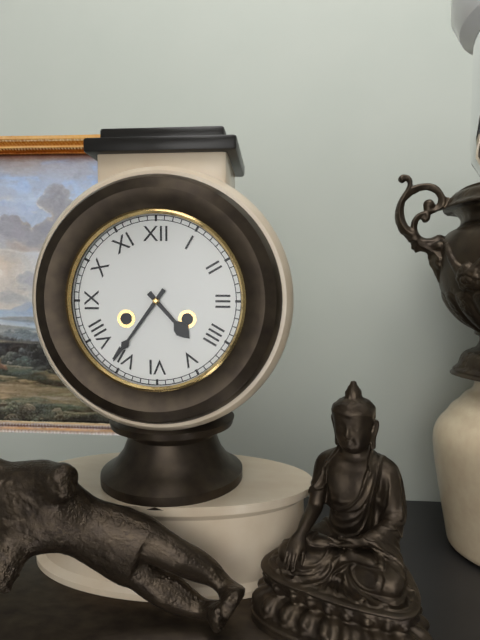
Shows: 4:36
